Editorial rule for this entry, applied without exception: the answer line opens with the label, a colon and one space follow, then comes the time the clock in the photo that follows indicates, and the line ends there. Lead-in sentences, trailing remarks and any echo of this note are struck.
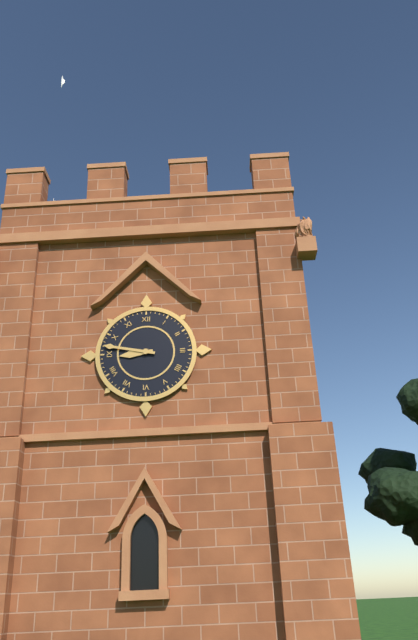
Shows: 8:47
